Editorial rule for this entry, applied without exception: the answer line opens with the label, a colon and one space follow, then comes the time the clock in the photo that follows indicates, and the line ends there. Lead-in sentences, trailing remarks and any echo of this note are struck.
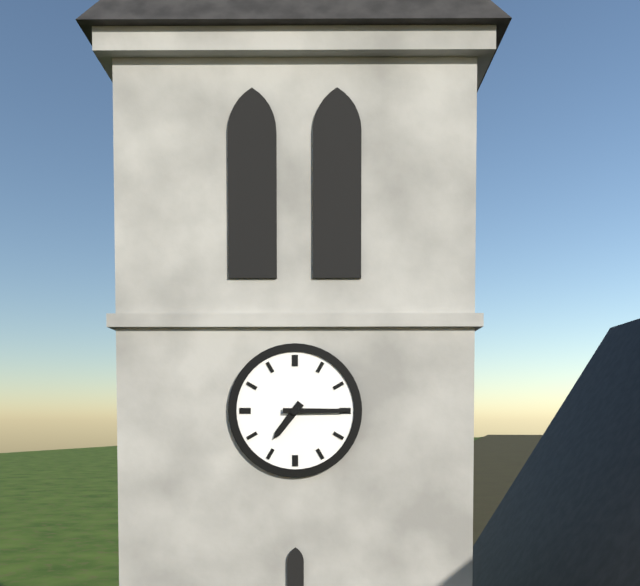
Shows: 7:15
